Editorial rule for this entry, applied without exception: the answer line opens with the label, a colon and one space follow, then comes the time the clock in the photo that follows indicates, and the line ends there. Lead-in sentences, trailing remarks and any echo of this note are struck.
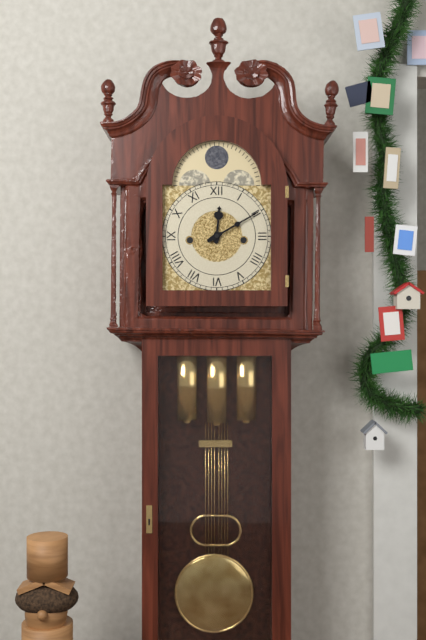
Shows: 12:10
